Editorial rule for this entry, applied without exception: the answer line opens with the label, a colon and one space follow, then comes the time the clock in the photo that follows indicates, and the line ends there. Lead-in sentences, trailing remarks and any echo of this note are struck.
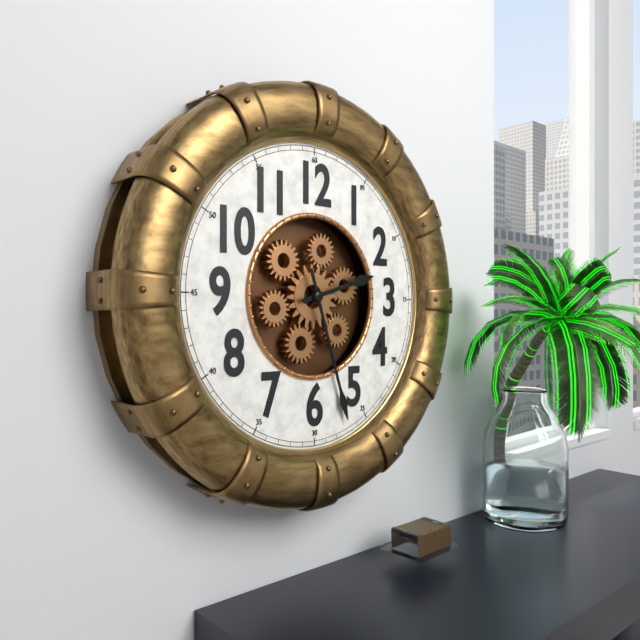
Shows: 2:27
